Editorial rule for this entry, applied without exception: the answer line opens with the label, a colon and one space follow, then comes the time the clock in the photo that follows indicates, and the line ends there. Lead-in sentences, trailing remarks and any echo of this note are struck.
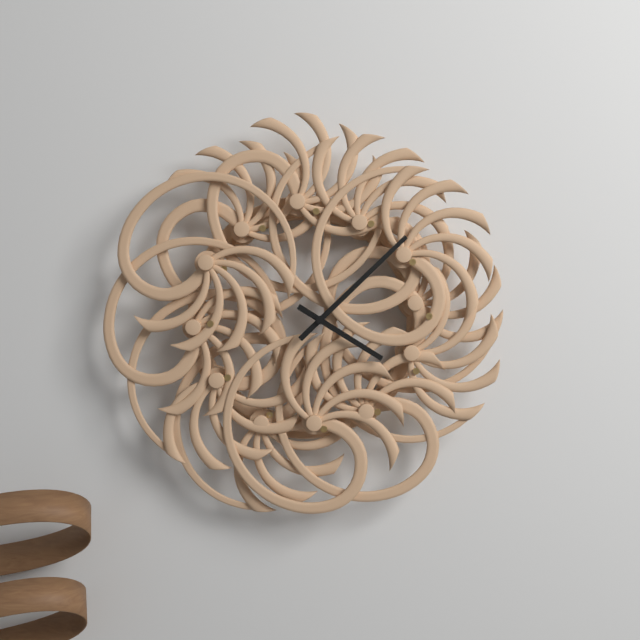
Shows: 4:08
